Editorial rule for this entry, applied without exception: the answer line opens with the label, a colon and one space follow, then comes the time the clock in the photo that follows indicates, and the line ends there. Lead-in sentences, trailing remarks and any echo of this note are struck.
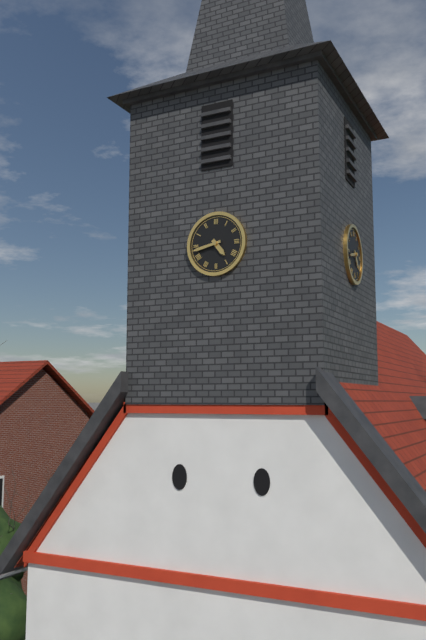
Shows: 4:43
